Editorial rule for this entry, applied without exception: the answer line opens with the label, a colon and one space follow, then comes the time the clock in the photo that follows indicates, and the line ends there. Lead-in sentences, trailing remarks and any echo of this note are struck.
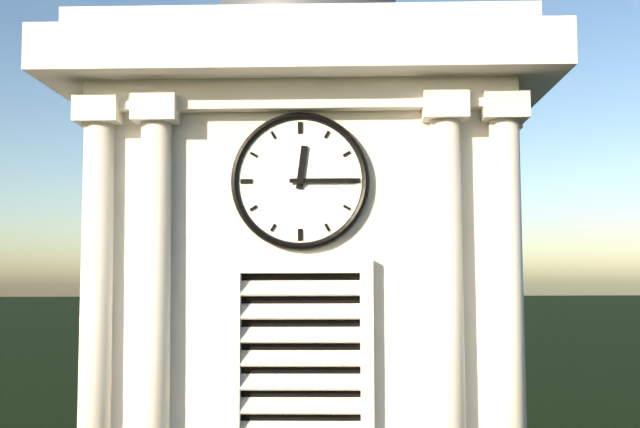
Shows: 12:15
